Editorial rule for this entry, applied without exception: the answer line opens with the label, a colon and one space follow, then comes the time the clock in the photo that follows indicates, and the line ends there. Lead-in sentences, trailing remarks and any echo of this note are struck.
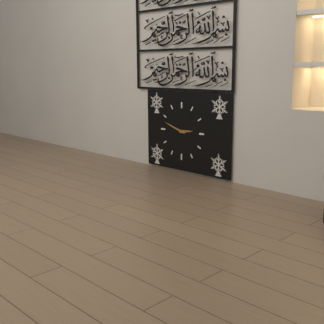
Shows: 2:48
